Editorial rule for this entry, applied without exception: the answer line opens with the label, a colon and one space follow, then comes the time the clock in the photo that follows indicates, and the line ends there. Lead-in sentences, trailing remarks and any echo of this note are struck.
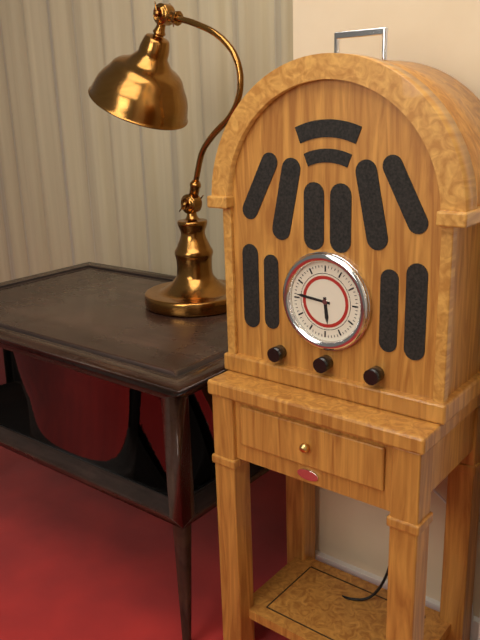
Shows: 5:46
